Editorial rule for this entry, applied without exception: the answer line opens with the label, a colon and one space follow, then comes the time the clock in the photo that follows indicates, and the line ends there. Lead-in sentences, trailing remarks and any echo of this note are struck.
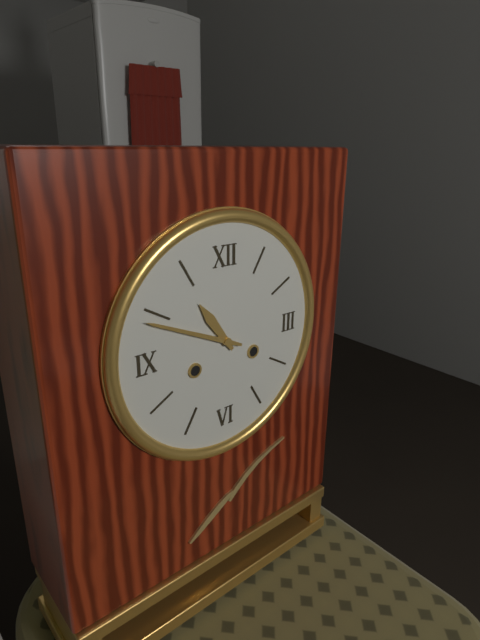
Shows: 10:49
